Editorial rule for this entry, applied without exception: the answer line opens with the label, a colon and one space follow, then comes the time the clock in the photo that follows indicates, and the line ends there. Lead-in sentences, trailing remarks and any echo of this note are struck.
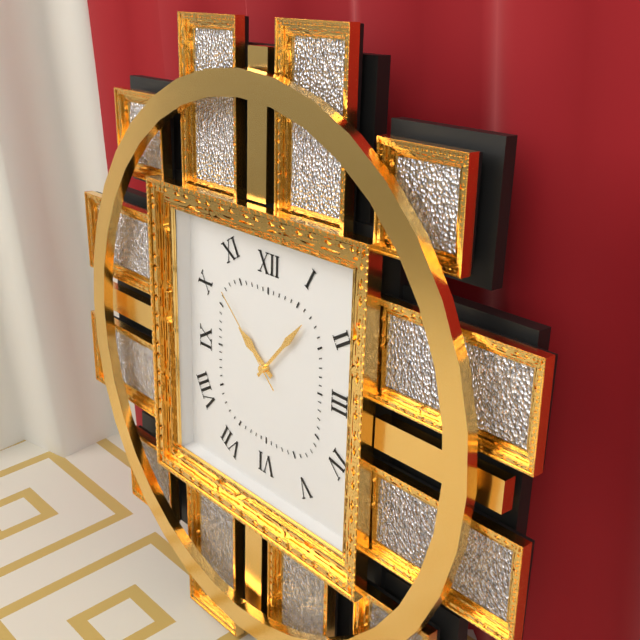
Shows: 10:07:52
